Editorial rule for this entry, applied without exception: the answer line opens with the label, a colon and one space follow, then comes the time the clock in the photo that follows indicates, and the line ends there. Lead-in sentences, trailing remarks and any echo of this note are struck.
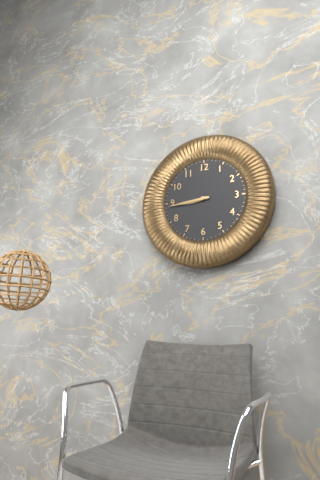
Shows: 8:44
